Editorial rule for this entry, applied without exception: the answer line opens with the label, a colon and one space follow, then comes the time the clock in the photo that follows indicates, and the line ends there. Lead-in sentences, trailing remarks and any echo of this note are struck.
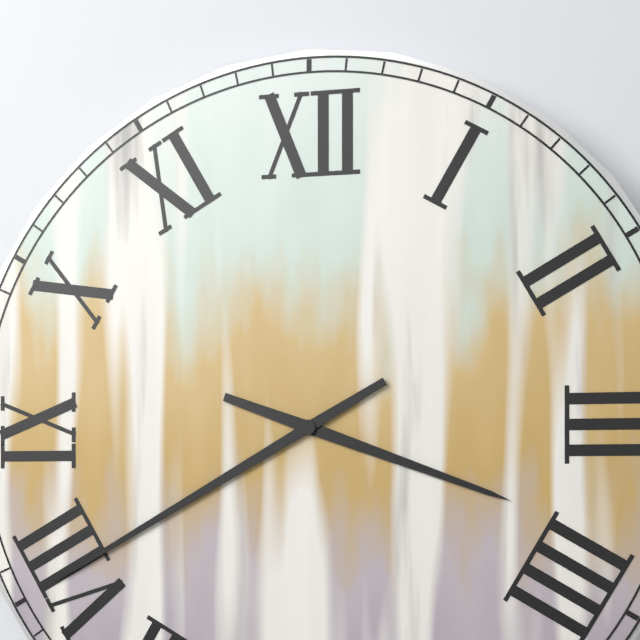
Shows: 3:40
